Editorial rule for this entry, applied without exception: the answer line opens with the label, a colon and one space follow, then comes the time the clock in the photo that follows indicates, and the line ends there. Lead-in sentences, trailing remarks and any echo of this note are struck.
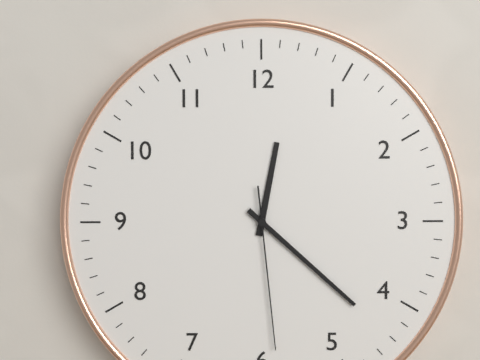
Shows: 12:22:29
